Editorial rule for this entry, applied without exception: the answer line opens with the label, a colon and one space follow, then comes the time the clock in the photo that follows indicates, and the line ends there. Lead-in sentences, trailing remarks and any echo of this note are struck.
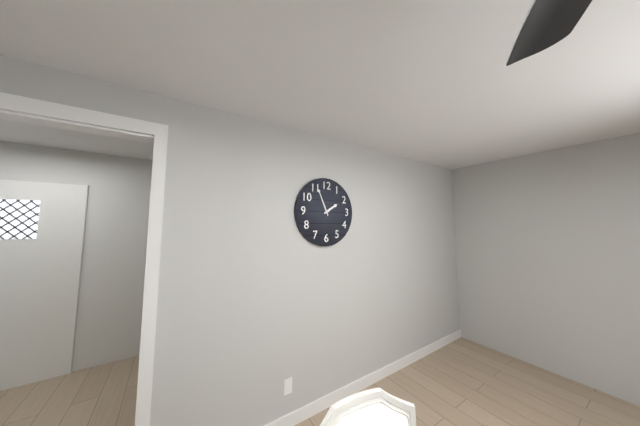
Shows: 1:56
